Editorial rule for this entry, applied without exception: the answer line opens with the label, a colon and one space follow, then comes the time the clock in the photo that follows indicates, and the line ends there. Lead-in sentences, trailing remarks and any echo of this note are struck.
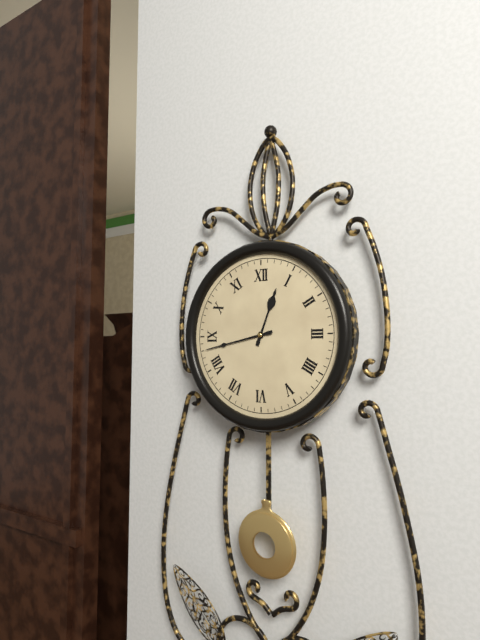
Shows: 12:43
